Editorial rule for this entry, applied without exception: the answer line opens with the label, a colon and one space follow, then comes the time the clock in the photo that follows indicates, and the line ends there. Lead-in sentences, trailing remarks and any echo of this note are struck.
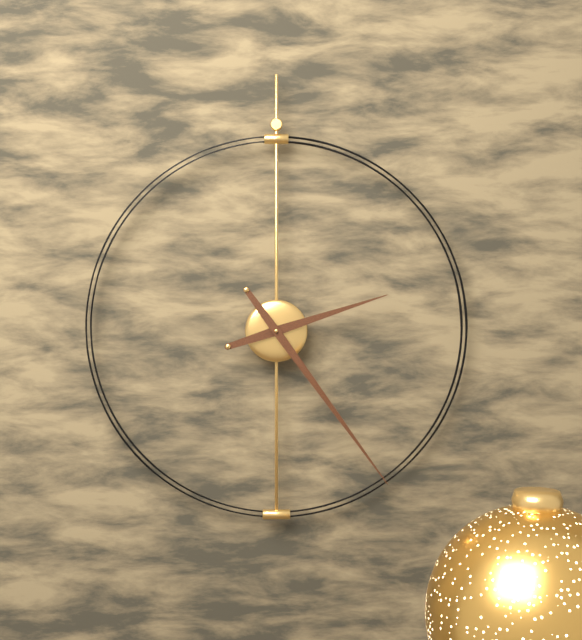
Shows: 2:24
